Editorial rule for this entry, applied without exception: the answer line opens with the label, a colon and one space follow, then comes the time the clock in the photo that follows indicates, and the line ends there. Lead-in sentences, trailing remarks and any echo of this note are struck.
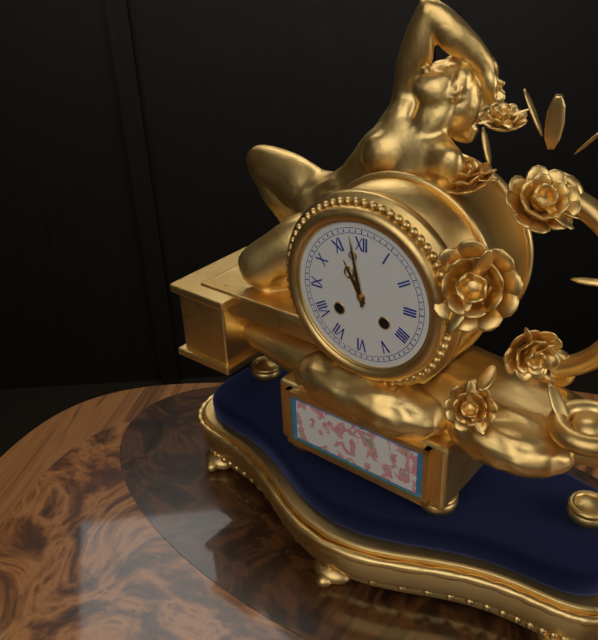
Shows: 10:58
